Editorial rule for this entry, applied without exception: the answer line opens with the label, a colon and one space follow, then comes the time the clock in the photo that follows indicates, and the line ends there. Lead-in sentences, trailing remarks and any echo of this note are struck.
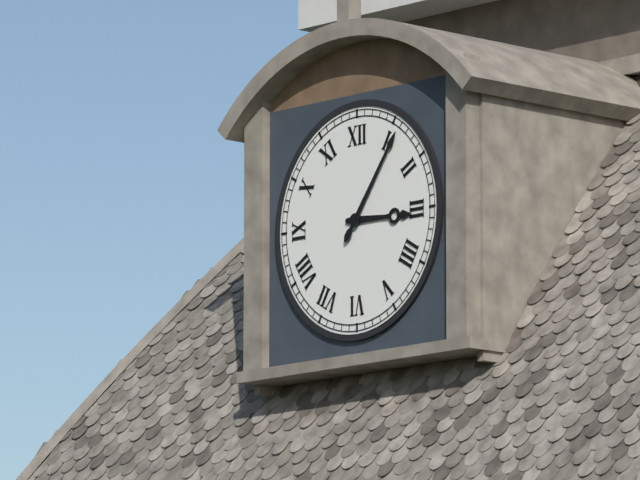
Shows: 3:06
